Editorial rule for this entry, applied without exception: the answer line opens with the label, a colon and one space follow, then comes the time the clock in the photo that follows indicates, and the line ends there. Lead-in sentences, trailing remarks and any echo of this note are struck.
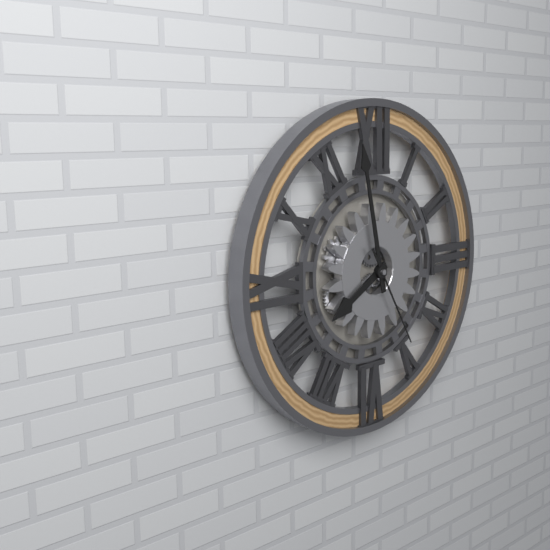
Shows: 7:58:25
